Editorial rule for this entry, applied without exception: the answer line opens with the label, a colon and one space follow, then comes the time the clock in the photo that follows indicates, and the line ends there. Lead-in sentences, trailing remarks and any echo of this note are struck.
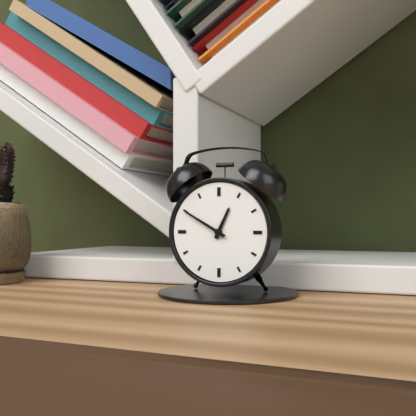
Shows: 12:50
